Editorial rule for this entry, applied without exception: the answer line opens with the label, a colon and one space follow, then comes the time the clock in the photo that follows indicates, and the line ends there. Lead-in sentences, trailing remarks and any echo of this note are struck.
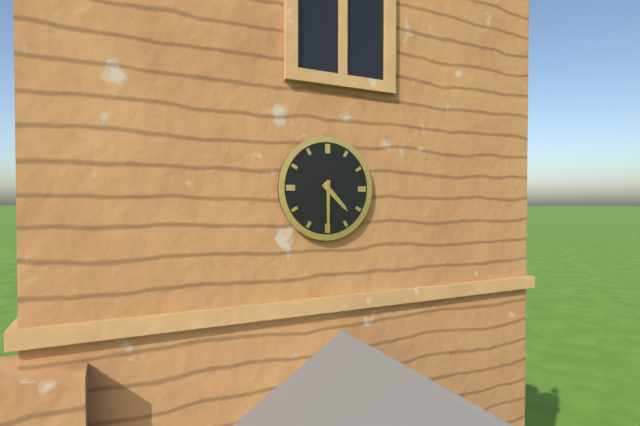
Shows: 4:30
